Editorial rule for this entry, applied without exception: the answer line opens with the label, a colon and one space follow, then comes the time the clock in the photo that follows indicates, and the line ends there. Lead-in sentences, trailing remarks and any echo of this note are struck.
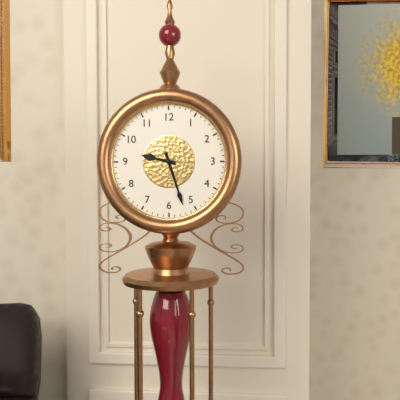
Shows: 9:27
